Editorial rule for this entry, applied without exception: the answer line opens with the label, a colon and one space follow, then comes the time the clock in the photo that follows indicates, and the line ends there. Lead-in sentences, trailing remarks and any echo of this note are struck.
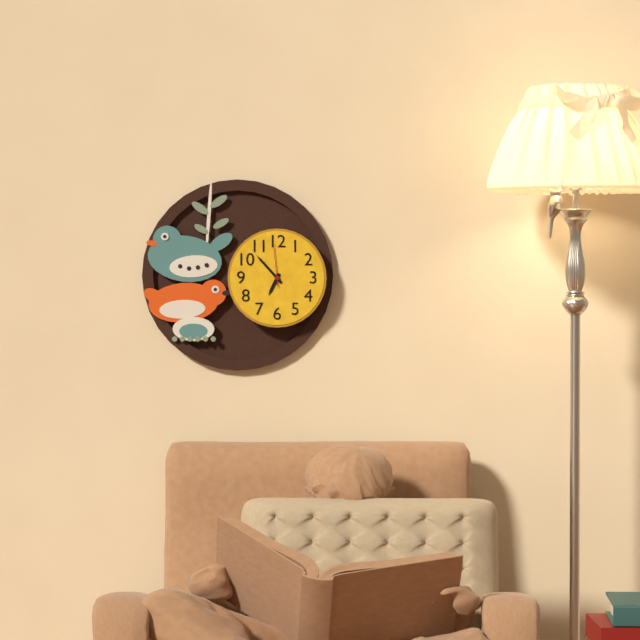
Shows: 6:53
